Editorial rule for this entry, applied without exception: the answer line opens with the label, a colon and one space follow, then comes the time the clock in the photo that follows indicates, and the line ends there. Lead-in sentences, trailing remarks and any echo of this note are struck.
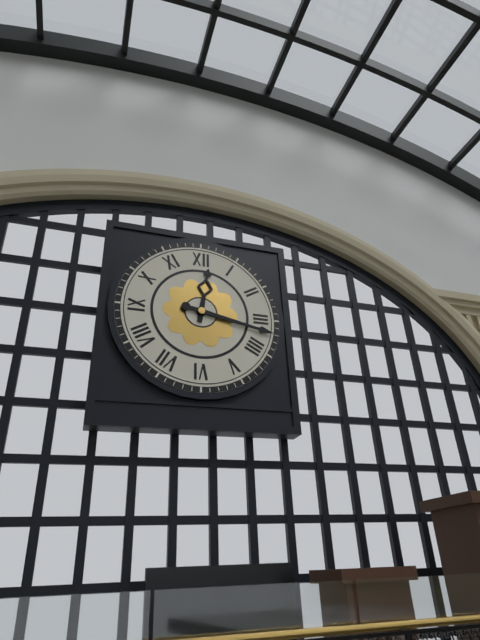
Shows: 12:17
